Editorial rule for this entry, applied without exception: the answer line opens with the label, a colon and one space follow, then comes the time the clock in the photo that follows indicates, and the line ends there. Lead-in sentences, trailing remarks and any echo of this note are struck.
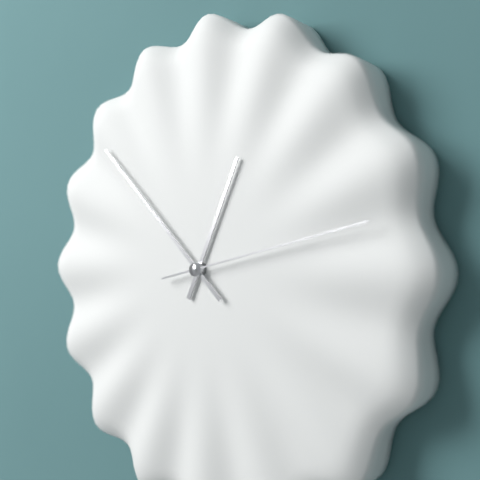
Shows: 12:52:13
